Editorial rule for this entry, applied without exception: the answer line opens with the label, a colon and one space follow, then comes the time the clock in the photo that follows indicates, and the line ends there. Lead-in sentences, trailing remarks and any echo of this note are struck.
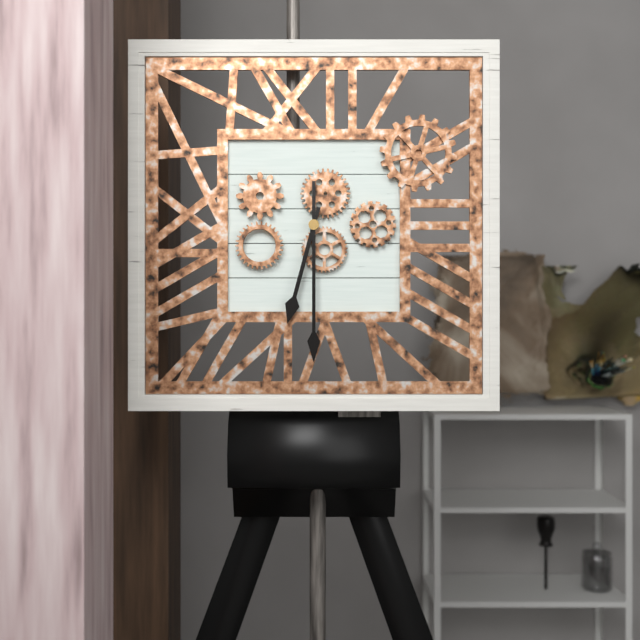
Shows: 6:30
